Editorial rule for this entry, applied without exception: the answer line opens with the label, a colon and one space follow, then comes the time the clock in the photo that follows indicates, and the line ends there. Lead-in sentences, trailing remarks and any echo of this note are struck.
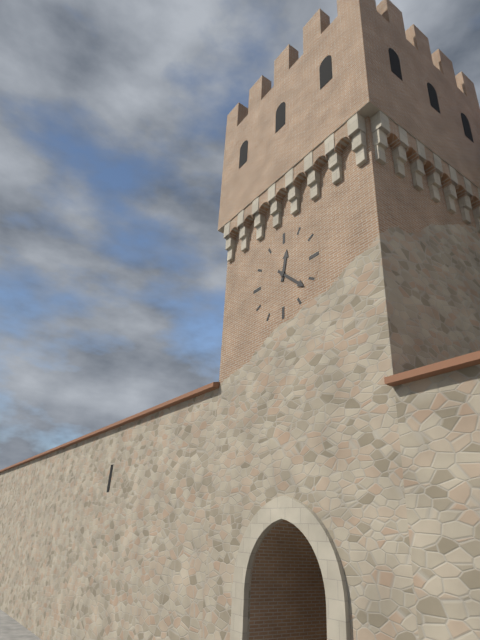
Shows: 12:22
